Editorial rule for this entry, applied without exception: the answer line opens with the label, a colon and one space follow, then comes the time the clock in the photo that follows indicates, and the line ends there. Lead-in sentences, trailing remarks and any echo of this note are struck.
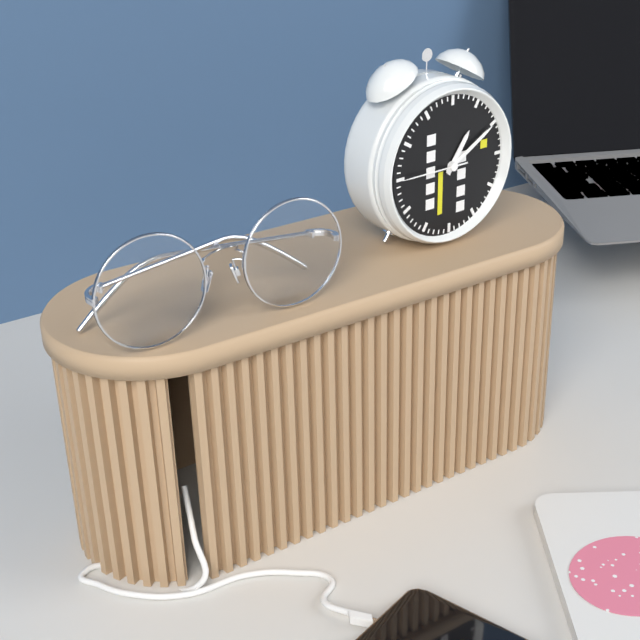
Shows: 1:10:45
